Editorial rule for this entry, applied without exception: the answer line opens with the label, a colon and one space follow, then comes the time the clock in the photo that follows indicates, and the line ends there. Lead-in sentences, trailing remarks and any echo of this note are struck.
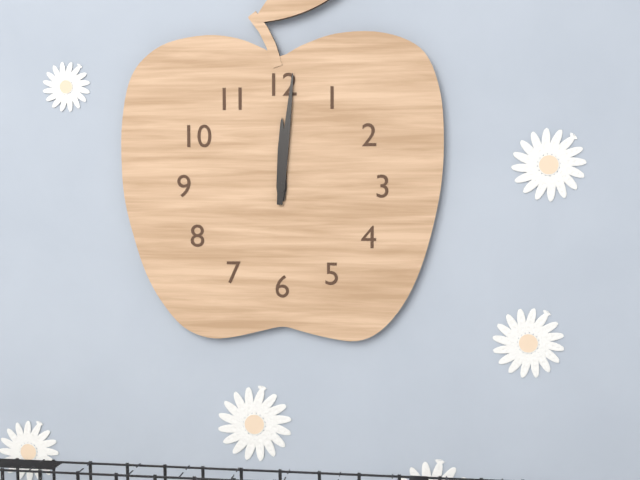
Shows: 12:01
